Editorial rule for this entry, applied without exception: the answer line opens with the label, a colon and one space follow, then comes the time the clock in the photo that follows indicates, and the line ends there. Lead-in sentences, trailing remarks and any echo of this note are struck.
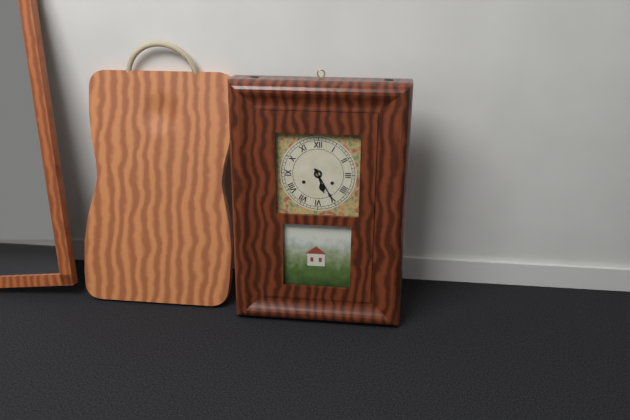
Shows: 5:25
